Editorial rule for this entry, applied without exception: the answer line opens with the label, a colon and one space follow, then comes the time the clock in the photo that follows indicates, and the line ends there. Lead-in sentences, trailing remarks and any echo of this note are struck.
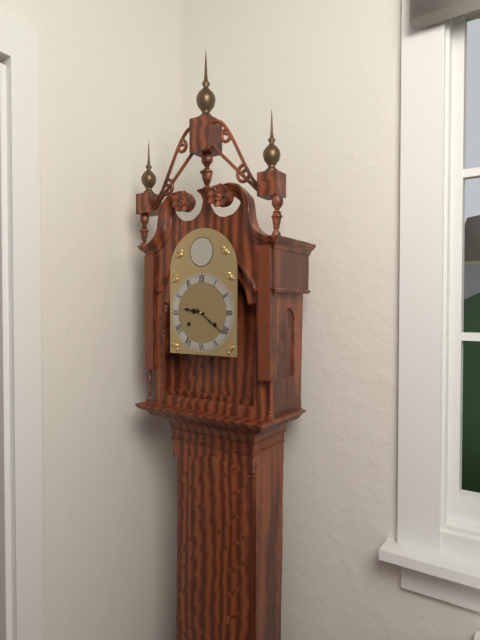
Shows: 9:21
